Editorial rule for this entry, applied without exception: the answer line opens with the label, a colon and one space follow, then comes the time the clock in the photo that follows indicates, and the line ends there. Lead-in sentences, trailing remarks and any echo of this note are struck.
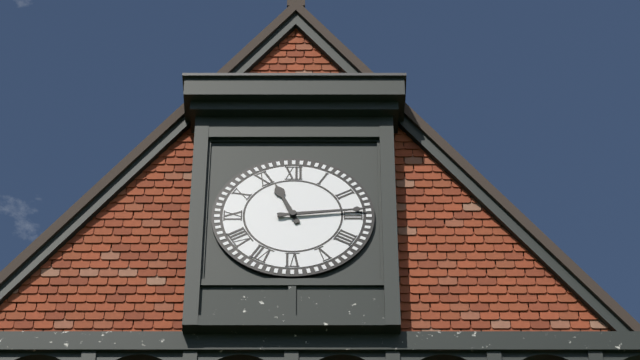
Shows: 11:14
